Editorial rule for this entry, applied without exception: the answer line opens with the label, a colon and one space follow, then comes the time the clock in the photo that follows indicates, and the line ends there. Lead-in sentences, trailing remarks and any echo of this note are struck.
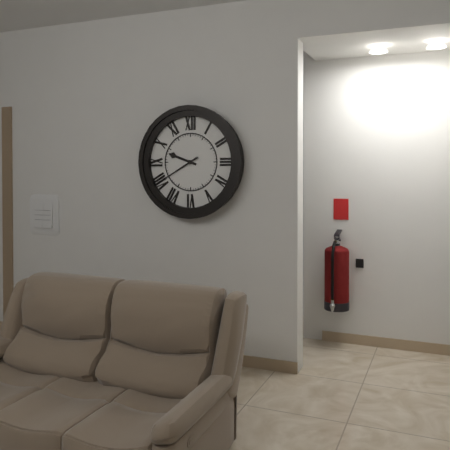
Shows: 9:40
